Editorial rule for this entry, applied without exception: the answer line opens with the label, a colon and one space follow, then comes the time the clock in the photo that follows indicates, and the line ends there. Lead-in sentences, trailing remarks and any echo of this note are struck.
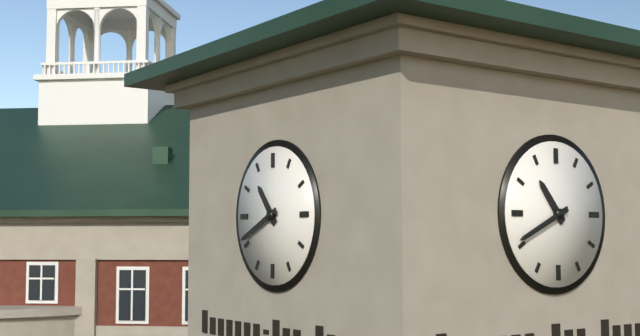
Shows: 10:41
